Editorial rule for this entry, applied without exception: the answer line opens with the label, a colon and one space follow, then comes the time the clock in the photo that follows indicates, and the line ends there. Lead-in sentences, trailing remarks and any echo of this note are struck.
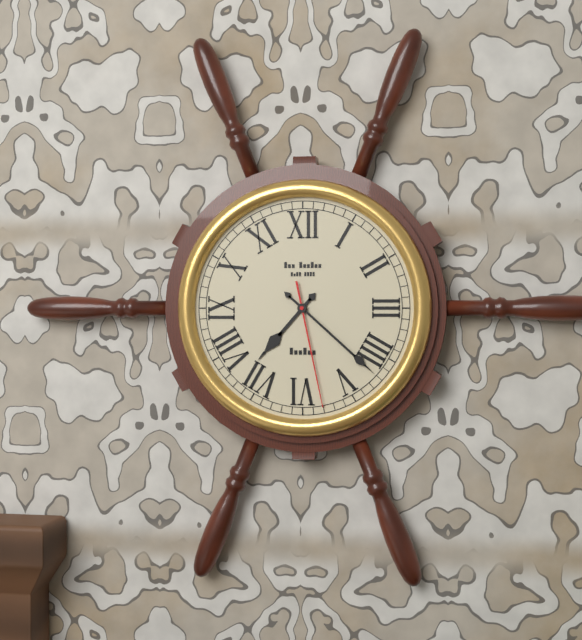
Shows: 7:22:28
